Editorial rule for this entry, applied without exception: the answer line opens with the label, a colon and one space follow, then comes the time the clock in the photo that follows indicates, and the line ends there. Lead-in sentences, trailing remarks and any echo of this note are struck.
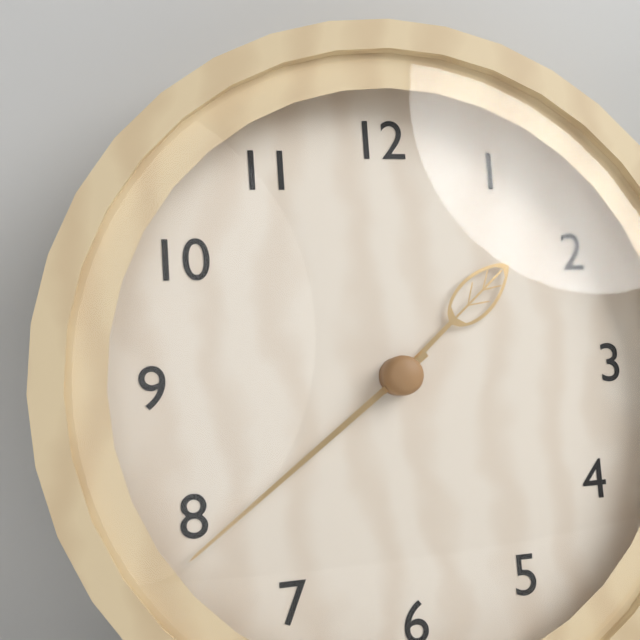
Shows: 1:39
